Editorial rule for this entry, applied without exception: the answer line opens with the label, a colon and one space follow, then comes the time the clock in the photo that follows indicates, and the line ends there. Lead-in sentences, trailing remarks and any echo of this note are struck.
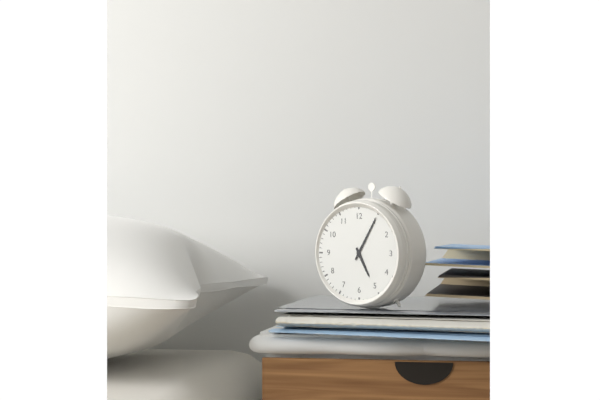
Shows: 5:05
